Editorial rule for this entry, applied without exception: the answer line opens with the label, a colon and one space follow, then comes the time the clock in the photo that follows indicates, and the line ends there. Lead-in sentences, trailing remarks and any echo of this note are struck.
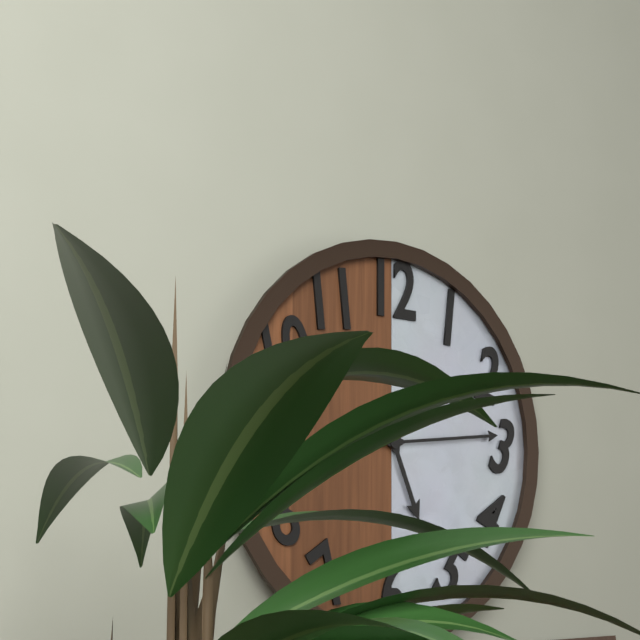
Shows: 5:14
